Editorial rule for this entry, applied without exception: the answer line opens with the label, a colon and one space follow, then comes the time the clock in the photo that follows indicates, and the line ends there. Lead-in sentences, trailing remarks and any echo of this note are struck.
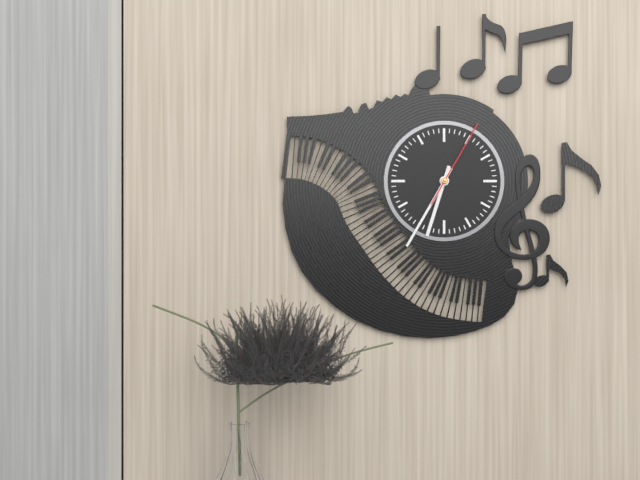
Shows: 6:35:05
